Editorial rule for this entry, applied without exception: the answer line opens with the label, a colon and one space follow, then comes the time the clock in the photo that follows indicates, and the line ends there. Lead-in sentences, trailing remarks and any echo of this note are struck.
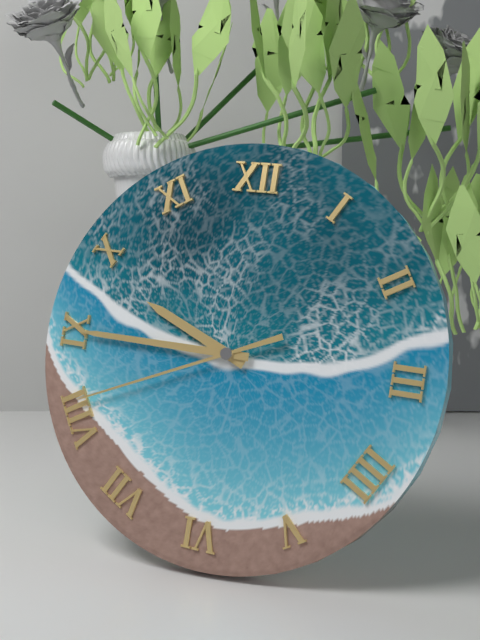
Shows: 9:45:41
